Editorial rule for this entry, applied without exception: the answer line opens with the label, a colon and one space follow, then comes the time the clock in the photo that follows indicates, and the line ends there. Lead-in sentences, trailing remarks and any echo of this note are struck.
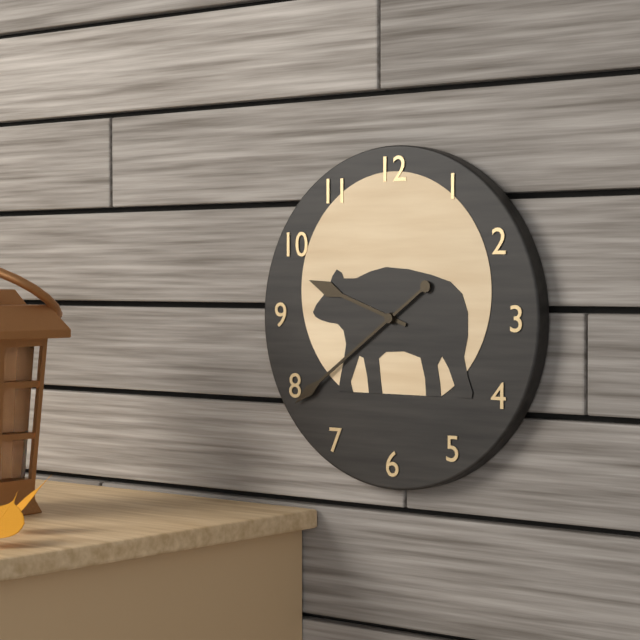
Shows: 9:39
